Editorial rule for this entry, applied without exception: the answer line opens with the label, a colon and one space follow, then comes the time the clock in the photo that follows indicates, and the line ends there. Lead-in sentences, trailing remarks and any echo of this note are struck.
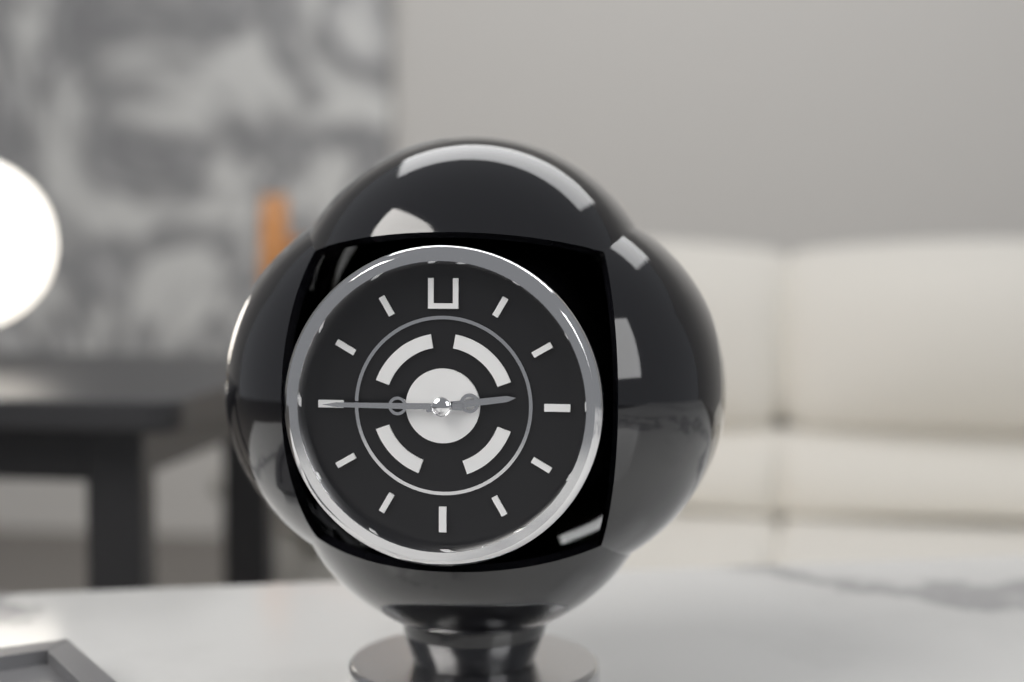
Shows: 2:45
